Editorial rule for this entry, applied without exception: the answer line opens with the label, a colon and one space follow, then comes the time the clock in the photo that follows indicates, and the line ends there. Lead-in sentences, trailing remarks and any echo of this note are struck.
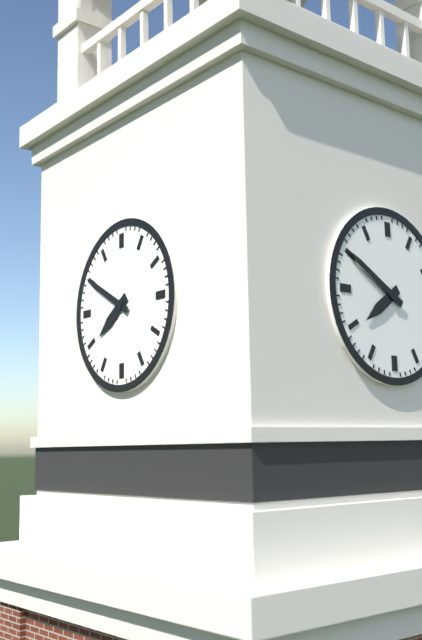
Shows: 7:50
